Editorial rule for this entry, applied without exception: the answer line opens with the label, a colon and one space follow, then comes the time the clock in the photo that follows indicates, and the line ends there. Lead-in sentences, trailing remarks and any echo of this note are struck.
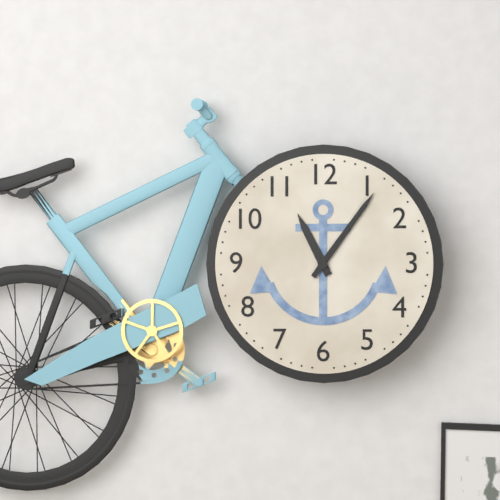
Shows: 11:06
